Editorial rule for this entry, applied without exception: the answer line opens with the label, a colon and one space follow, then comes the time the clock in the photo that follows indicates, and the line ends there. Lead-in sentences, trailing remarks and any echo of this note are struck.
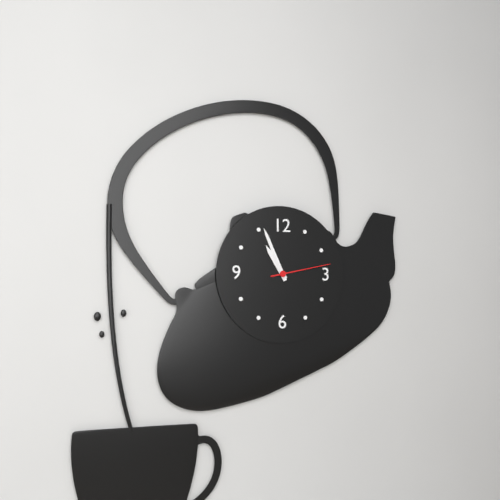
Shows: 10:56:13
